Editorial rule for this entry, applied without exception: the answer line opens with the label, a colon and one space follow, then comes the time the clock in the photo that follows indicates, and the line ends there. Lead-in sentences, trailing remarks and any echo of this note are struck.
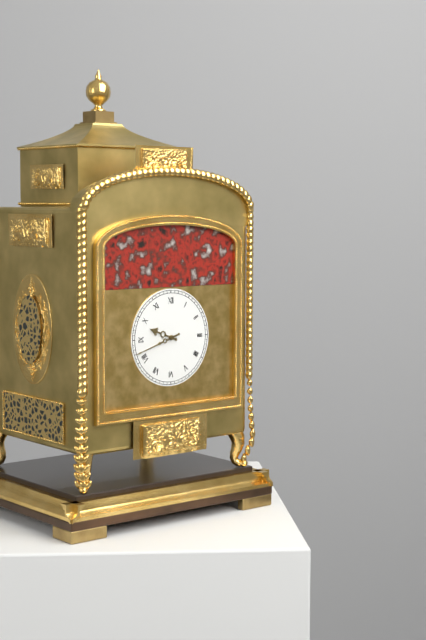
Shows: 9:42
